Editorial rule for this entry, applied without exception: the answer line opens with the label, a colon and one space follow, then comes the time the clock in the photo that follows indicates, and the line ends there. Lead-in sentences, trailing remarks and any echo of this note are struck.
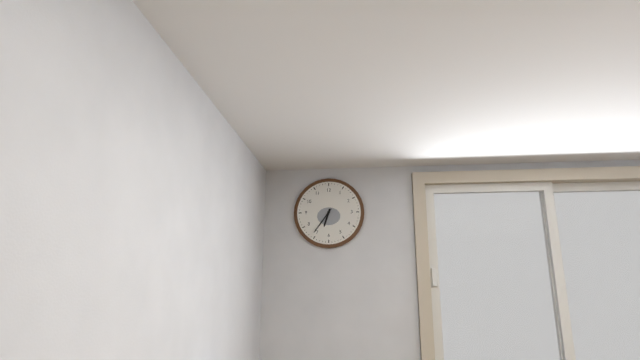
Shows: 6:36
